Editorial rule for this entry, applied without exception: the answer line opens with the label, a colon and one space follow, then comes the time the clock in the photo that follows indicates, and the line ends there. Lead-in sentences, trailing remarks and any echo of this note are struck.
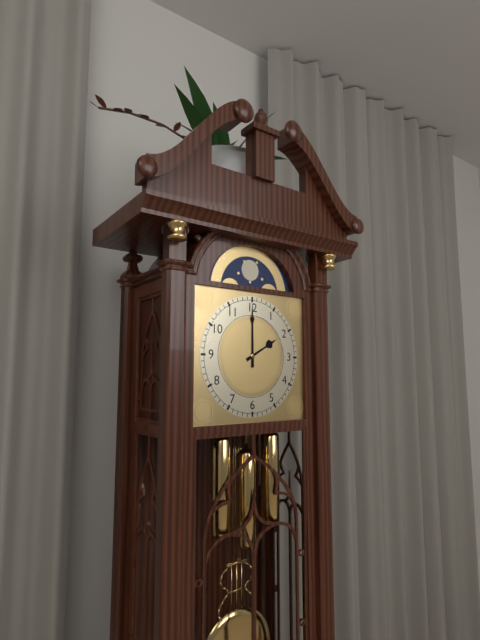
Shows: 2:00
